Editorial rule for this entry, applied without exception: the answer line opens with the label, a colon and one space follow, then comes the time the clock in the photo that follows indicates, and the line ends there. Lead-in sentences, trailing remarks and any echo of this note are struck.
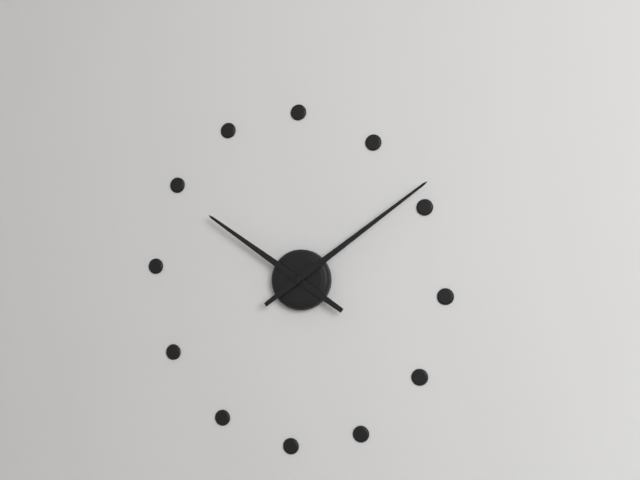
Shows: 10:09
